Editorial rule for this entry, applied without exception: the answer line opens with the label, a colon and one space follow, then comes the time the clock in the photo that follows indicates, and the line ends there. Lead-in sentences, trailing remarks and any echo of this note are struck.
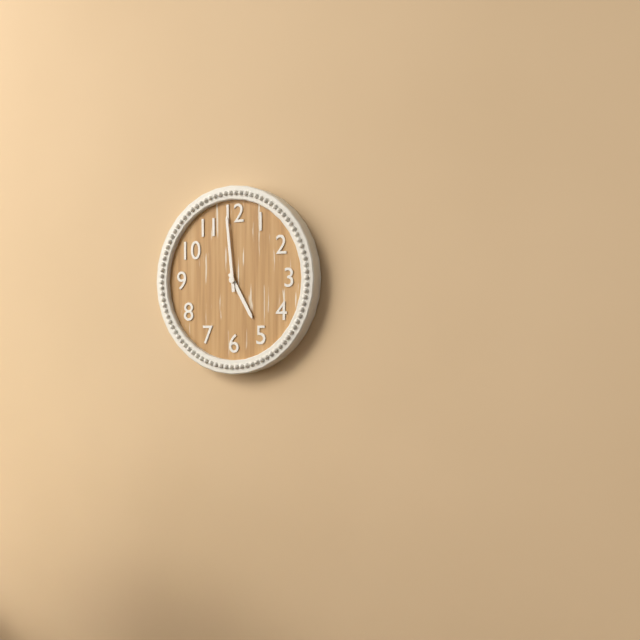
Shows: 4:59
